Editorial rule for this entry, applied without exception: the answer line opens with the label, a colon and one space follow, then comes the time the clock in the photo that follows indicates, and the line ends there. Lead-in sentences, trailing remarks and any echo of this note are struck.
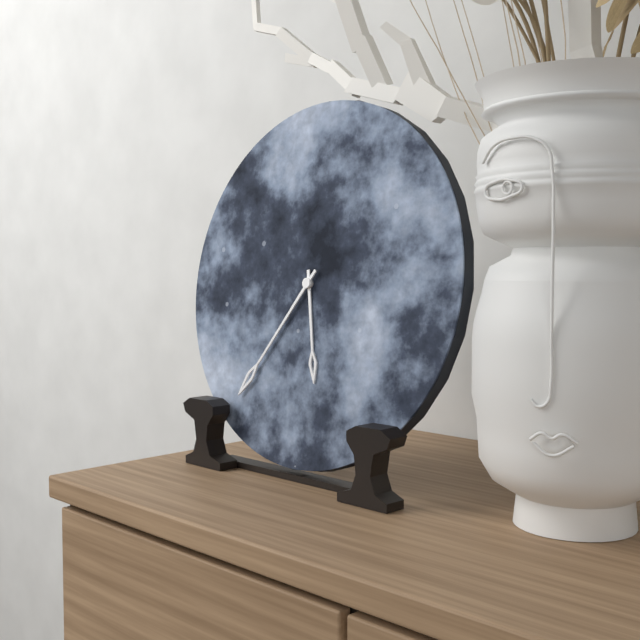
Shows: 5:36
